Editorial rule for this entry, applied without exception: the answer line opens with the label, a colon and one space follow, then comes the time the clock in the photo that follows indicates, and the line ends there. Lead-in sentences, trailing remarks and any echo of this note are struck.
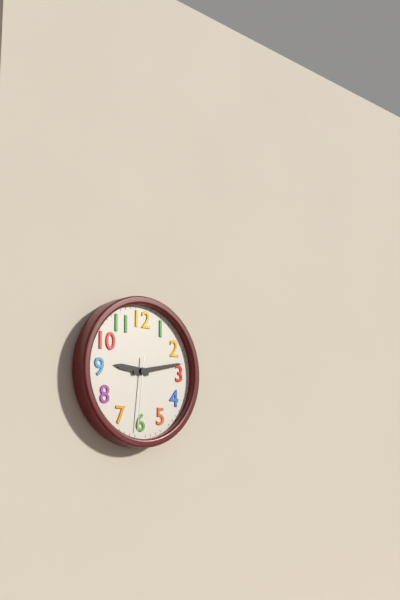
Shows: 9:13:31
